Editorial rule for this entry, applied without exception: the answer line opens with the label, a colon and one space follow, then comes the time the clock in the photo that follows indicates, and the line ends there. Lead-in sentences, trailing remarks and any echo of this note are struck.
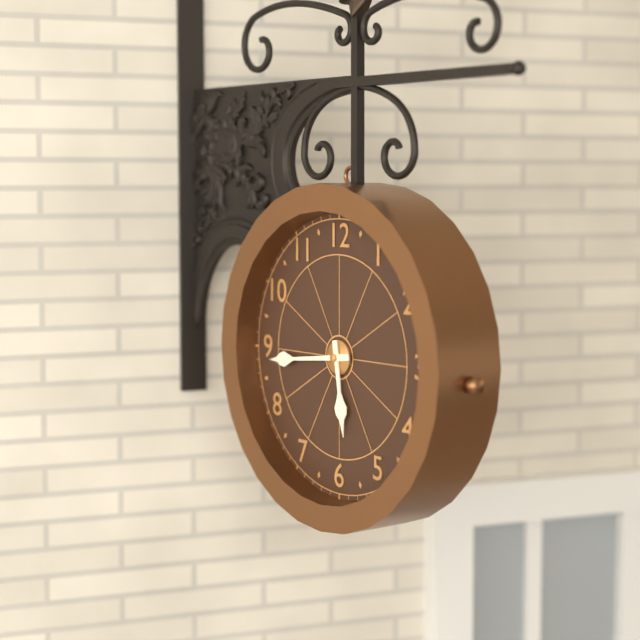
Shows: 5:44
